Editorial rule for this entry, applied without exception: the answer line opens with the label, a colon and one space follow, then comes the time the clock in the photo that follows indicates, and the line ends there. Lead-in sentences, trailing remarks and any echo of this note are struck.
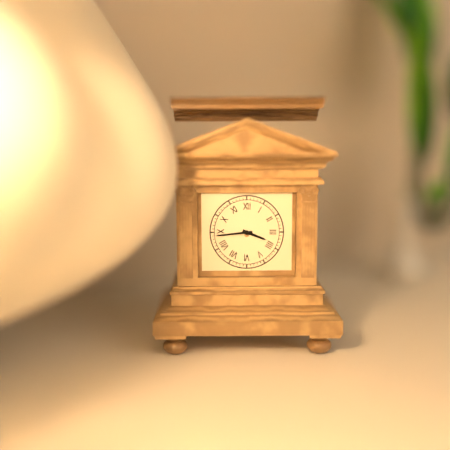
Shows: 3:44
